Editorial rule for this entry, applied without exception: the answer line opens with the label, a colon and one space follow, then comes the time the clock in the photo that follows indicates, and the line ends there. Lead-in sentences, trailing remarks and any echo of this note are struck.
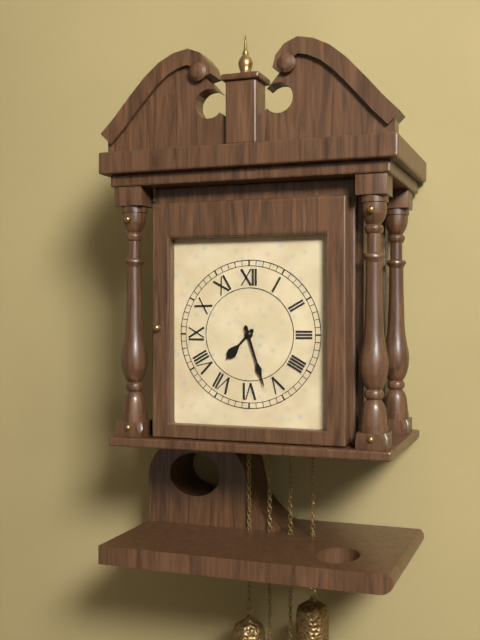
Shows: 7:27
